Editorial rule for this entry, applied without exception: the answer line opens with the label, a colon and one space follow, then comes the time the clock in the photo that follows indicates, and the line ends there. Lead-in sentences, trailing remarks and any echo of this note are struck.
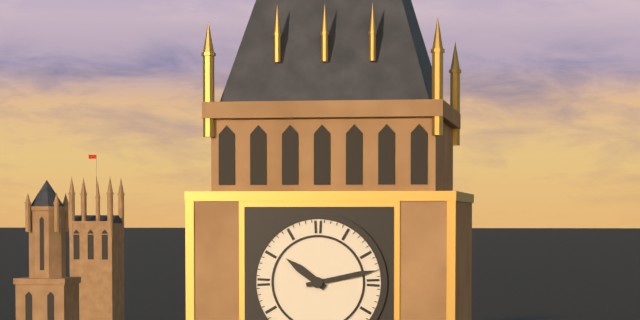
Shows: 10:13
